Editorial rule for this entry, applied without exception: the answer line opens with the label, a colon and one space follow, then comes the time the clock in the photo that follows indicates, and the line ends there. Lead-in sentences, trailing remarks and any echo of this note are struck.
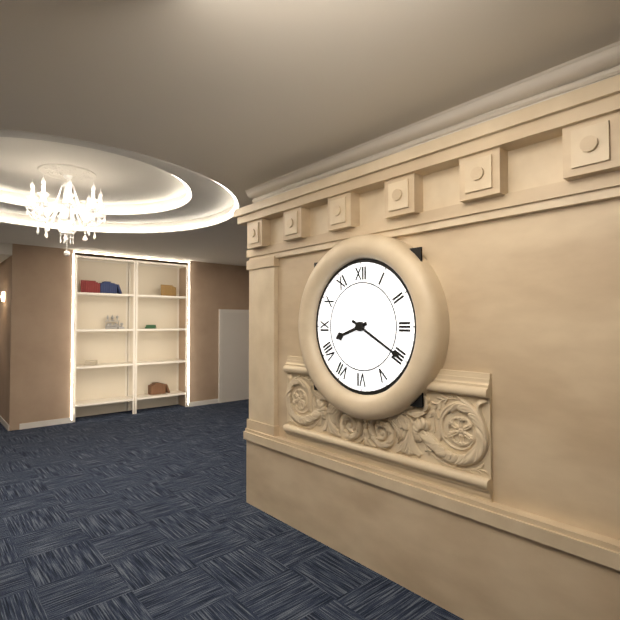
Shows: 8:20
